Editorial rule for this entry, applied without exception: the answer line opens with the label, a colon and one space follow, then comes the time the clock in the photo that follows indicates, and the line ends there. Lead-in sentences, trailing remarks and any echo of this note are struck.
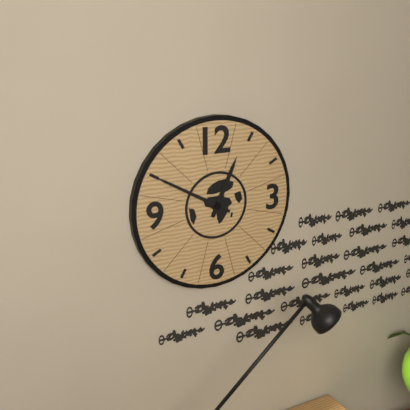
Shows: 12:50
